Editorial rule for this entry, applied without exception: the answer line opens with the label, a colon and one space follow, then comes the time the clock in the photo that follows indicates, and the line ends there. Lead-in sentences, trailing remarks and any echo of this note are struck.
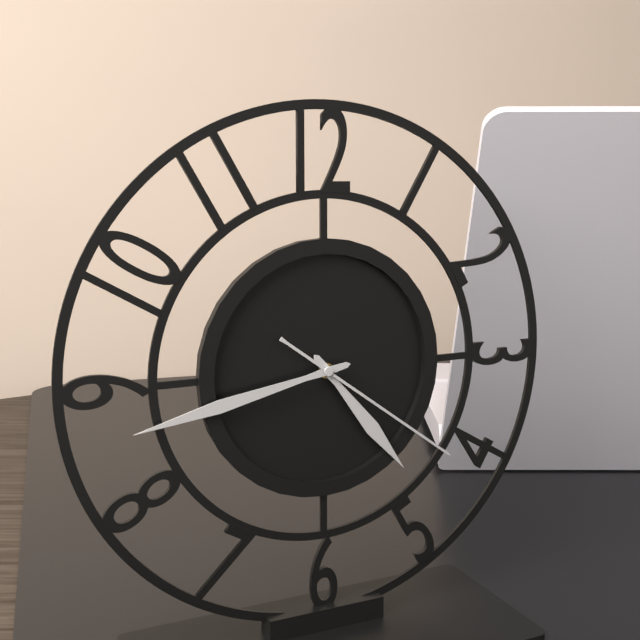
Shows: 4:43:21
